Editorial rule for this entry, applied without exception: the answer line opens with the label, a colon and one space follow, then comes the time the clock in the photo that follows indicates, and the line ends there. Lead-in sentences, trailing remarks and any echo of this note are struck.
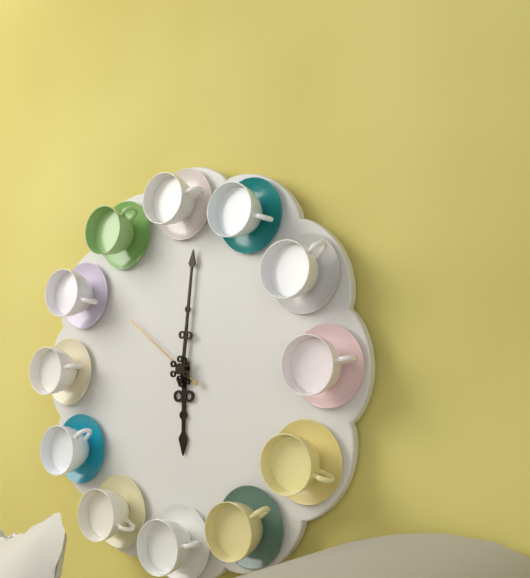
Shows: 6:01:51
